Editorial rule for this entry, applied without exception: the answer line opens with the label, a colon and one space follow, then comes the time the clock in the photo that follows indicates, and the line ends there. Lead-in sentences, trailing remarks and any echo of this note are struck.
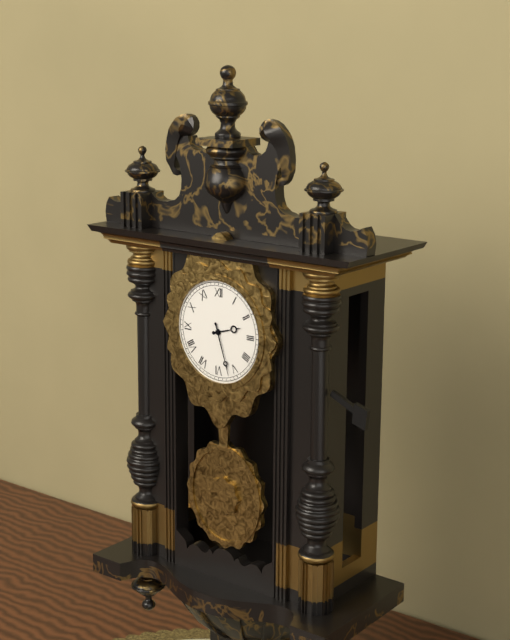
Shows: 2:27
